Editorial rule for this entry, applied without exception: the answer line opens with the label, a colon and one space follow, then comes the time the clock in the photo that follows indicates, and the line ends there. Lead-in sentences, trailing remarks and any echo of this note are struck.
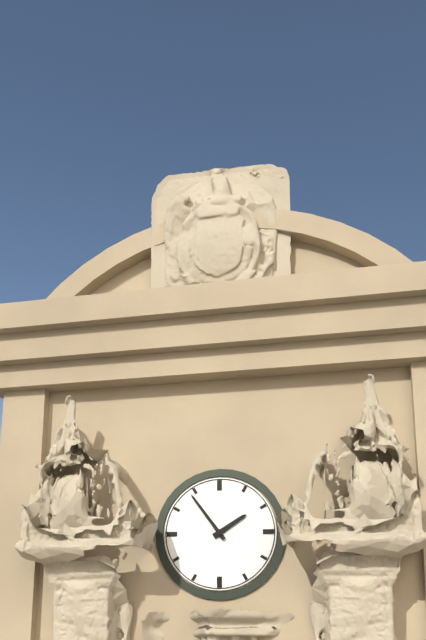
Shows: 1:54
